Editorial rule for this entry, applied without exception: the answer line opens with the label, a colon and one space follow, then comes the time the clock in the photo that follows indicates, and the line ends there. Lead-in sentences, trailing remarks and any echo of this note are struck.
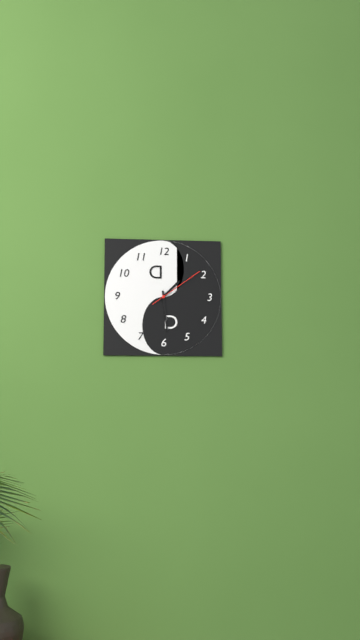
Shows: 1:29:09
